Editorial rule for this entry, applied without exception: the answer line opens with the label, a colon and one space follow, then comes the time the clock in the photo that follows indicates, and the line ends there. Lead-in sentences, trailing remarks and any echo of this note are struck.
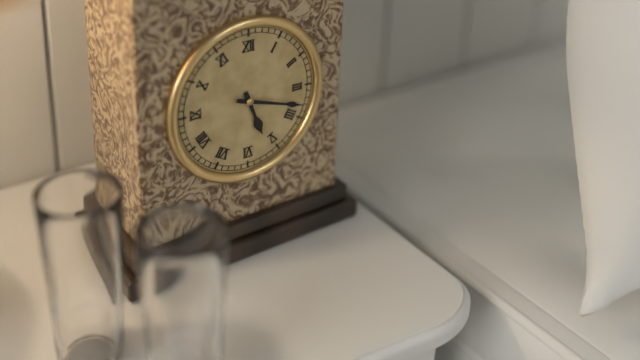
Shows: 5:18
